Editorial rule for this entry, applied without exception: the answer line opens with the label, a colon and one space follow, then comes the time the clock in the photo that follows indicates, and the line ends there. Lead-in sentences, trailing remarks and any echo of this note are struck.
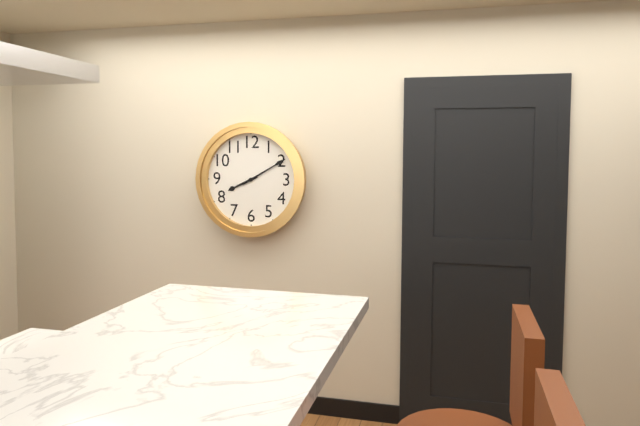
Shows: 8:10
